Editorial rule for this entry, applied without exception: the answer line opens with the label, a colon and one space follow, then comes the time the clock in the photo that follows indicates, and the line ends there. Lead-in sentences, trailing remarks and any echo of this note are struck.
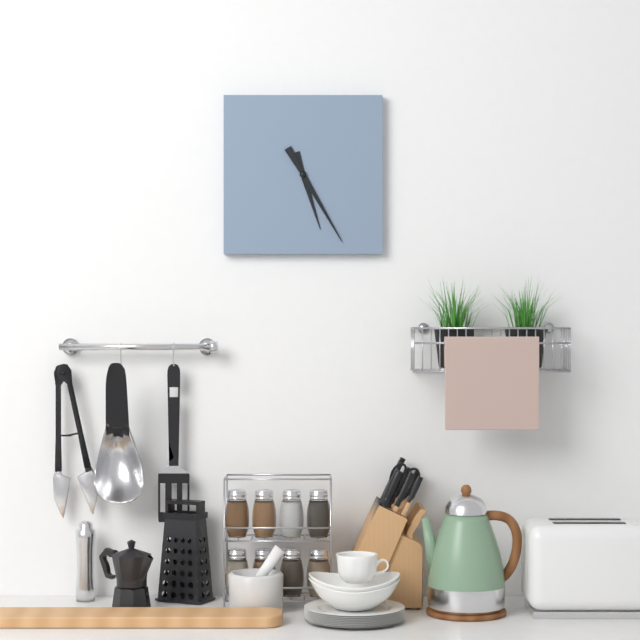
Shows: 5:25
